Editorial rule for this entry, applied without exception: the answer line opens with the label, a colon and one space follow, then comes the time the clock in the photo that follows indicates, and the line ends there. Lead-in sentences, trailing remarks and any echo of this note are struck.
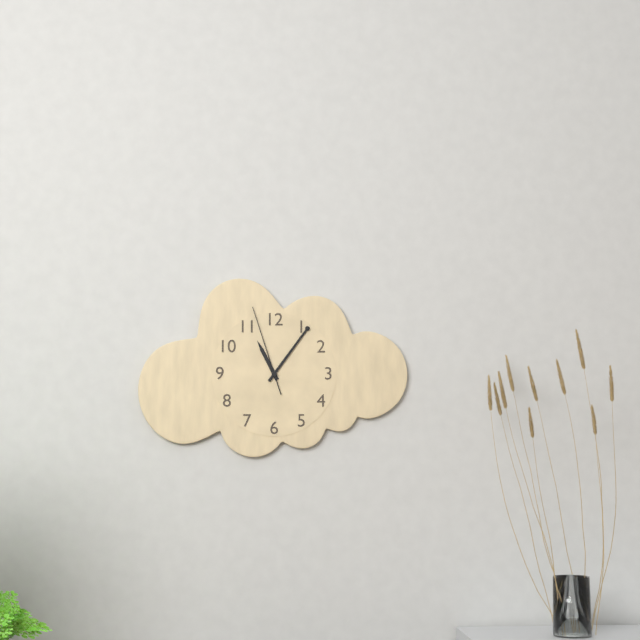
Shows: 11:06:57
